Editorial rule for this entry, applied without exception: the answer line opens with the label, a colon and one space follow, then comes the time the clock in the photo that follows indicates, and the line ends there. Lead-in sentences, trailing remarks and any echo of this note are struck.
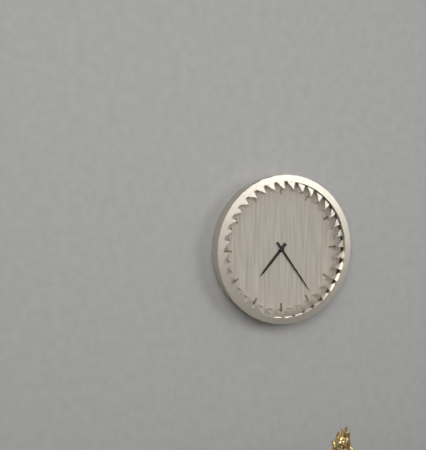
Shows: 7:24
